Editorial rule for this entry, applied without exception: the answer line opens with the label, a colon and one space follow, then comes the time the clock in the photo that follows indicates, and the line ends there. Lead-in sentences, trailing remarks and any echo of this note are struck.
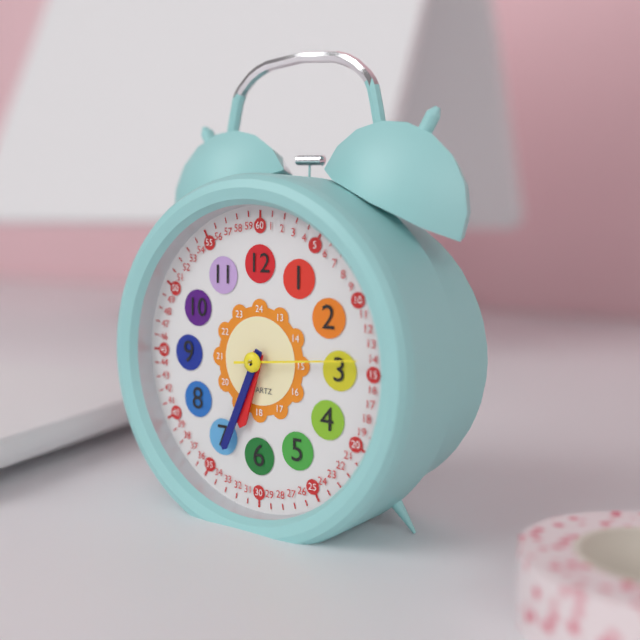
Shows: 6:34:14
